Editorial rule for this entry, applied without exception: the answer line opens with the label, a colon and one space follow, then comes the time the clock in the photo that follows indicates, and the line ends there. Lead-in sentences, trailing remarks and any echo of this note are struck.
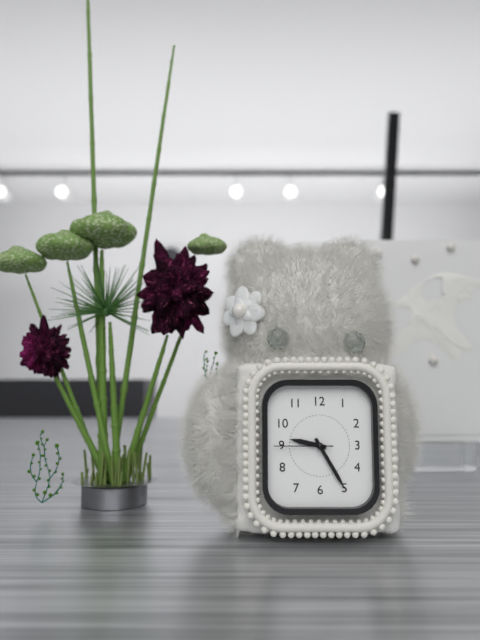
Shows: 9:25:45
